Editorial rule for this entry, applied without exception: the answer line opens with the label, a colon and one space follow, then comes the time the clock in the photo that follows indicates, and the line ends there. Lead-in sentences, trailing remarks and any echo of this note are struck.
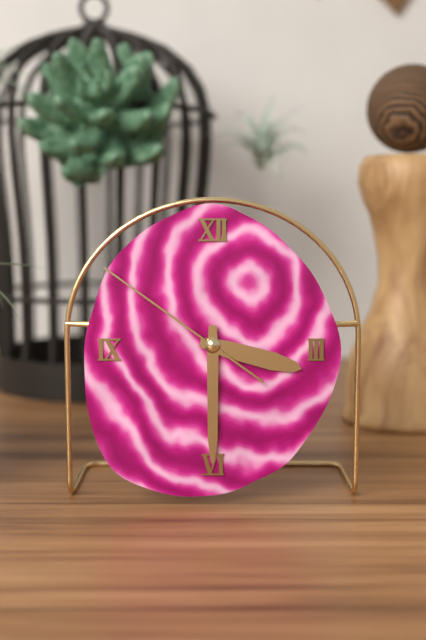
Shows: 3:30:51
